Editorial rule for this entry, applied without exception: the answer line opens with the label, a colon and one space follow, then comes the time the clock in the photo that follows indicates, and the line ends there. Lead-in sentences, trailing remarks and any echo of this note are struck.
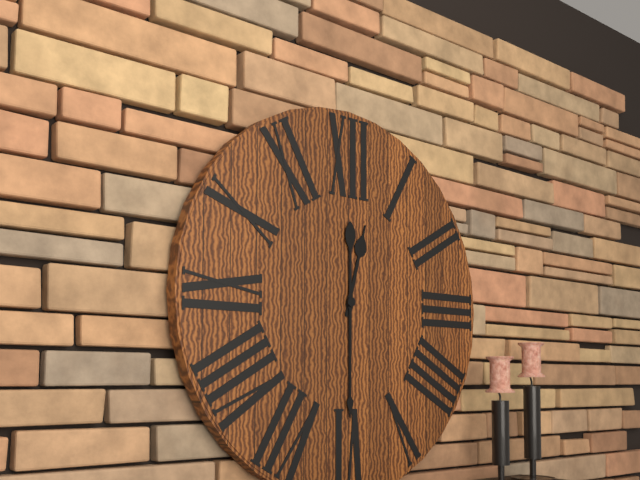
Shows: 12:30
